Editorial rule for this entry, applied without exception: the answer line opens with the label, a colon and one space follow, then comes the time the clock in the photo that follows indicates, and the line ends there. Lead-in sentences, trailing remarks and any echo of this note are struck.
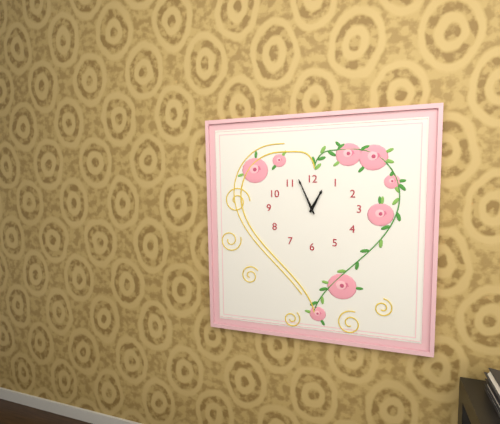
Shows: 12:56
